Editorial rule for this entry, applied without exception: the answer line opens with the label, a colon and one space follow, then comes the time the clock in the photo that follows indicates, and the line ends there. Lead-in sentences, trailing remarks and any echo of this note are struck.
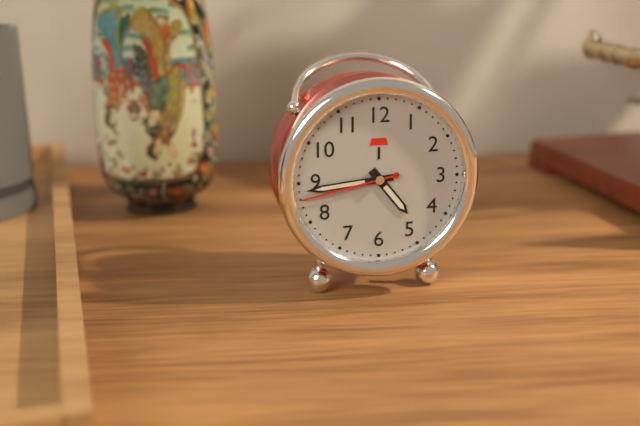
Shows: 4:44:43
